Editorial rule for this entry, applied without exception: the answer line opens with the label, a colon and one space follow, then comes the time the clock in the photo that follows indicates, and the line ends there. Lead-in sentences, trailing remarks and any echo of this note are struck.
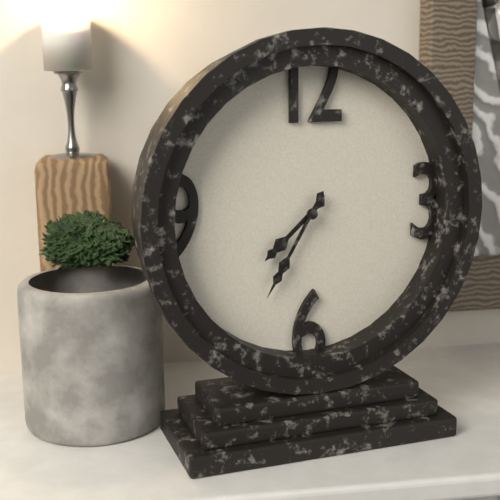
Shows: 7:35
